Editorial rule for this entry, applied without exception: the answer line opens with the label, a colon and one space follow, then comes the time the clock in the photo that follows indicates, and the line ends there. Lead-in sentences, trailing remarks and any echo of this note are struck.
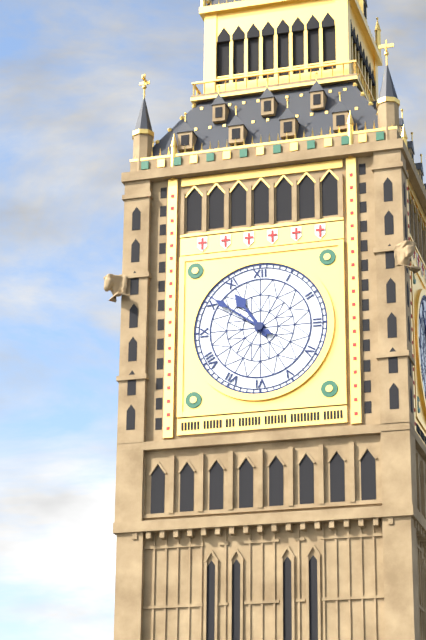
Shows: 10:51
